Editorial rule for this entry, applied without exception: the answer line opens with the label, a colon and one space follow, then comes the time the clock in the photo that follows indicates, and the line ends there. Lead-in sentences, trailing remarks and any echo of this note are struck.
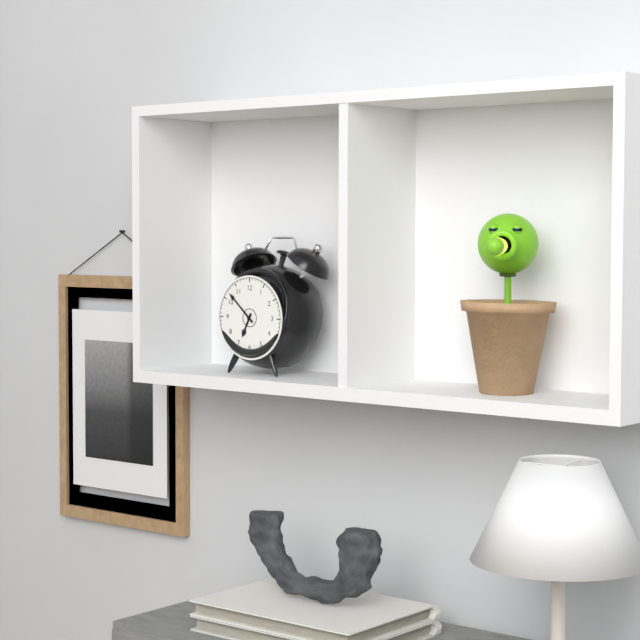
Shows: 6:52
